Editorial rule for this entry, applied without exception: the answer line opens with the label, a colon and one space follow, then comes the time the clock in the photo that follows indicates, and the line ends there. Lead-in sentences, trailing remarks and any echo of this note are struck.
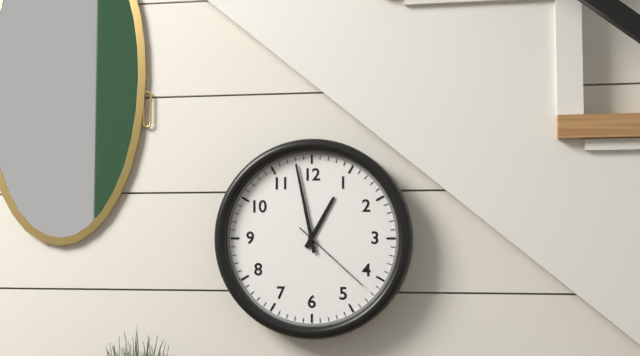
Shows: 12:58:22
